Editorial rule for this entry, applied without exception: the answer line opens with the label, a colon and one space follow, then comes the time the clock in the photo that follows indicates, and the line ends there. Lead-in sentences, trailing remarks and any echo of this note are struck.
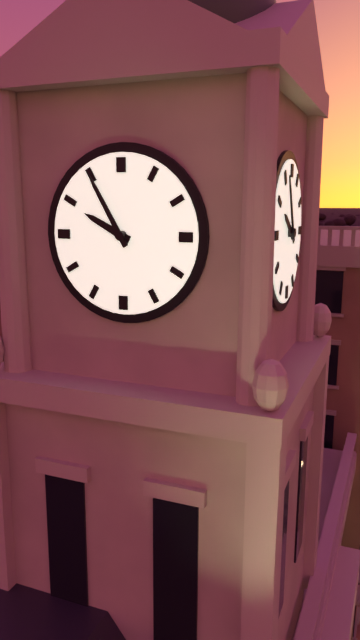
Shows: 9:55
